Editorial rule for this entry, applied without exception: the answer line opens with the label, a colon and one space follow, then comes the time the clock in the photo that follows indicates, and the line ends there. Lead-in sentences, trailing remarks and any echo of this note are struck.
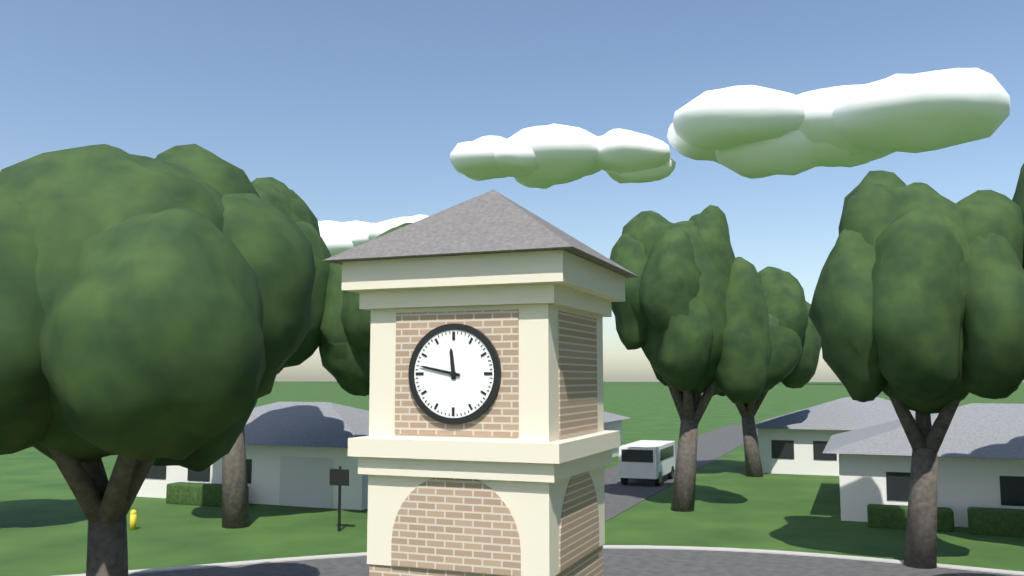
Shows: 11:47
